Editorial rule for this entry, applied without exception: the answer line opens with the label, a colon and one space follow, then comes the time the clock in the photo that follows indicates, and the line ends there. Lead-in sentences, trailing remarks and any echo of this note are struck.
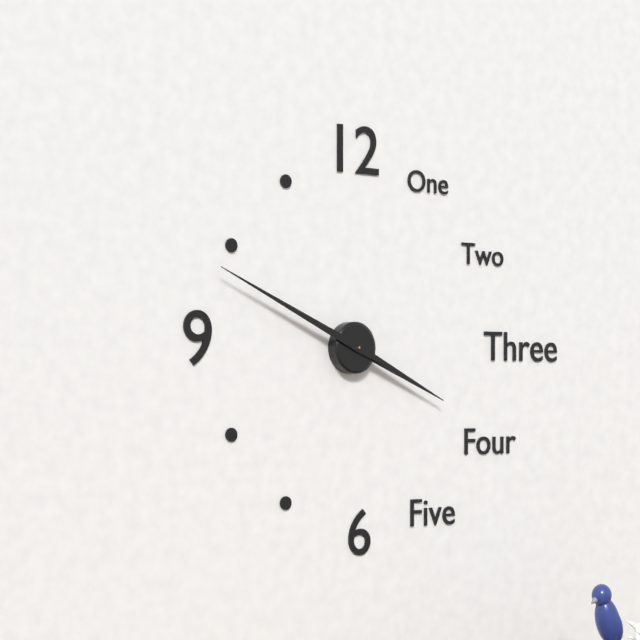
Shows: 3:49
